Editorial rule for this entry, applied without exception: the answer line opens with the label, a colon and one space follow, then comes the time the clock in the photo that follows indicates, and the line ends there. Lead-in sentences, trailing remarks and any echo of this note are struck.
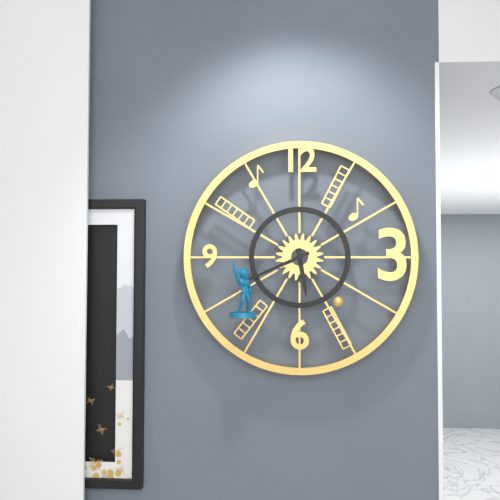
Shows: 5:41
